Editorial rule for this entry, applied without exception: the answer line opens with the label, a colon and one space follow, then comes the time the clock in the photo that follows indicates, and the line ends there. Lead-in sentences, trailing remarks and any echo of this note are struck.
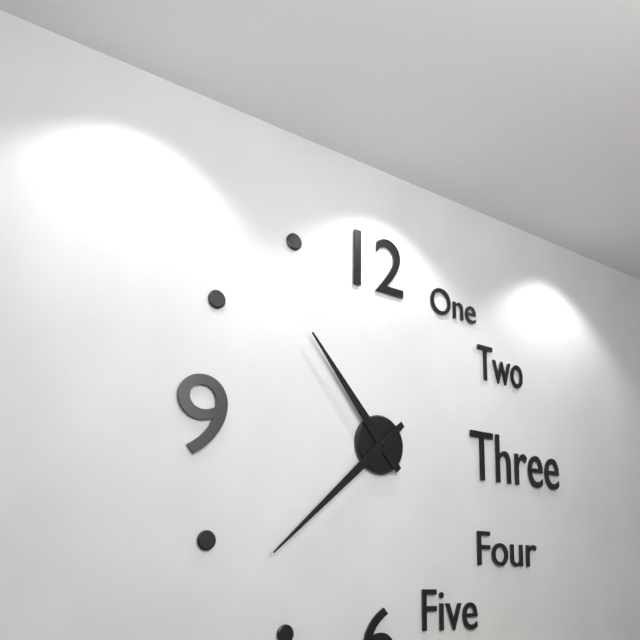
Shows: 10:38
